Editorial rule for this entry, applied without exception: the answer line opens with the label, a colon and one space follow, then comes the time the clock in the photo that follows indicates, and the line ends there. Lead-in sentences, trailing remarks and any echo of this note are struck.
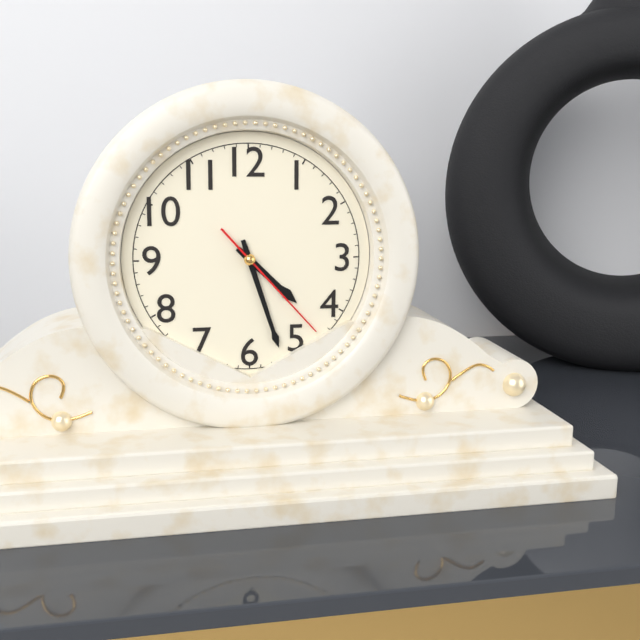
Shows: 4:27:23
